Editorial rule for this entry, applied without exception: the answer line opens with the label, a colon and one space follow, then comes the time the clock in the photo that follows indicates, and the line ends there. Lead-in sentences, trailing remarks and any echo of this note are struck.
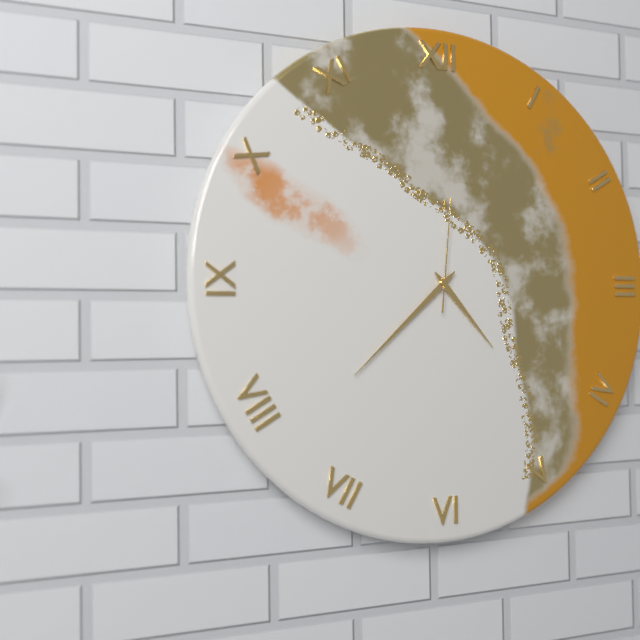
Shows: 4:38:01
